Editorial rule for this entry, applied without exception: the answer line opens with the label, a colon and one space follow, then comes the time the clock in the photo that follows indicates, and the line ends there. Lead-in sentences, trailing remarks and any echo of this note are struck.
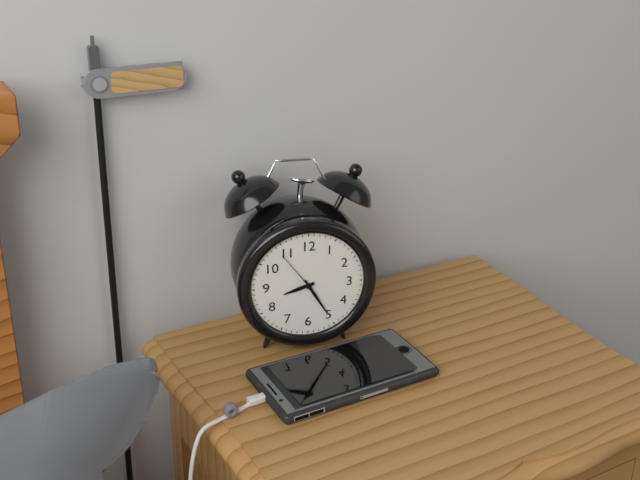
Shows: 8:25
